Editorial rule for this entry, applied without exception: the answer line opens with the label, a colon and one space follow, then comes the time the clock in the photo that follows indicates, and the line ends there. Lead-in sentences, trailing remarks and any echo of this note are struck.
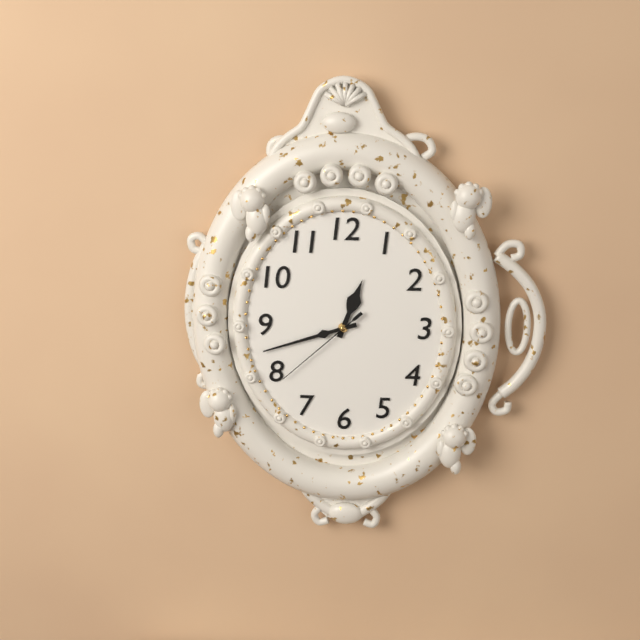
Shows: 12:42:38
